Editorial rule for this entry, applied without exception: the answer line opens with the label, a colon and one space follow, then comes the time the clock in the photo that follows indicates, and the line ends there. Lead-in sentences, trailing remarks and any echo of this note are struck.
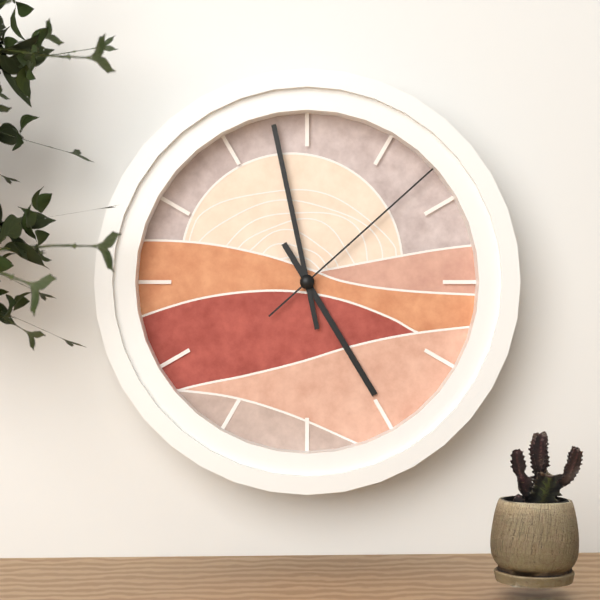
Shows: 4:58:08
